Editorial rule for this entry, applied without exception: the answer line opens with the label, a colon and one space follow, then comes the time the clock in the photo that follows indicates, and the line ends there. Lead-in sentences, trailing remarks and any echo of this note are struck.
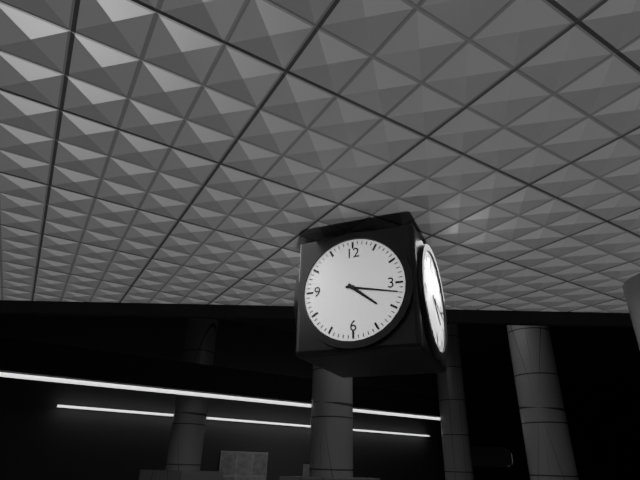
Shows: 4:17
